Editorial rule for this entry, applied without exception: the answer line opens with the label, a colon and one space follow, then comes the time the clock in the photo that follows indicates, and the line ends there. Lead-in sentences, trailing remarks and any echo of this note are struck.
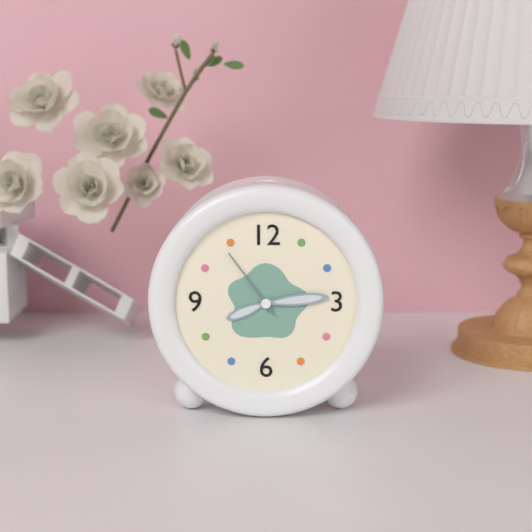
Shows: 8:14:54
